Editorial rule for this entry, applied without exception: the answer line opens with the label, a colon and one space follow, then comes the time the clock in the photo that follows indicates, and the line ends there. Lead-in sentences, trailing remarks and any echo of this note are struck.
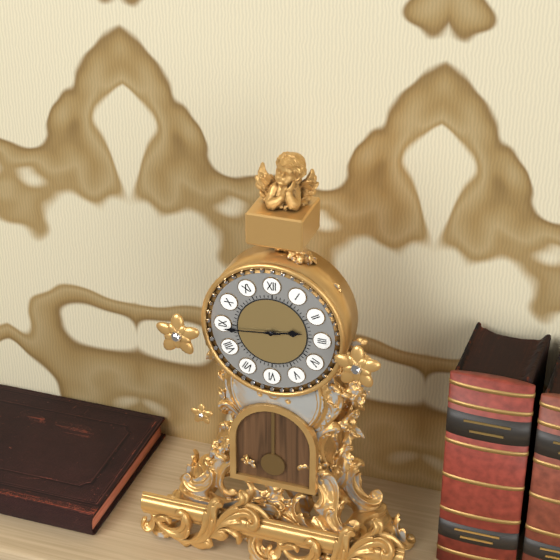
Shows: 2:44
